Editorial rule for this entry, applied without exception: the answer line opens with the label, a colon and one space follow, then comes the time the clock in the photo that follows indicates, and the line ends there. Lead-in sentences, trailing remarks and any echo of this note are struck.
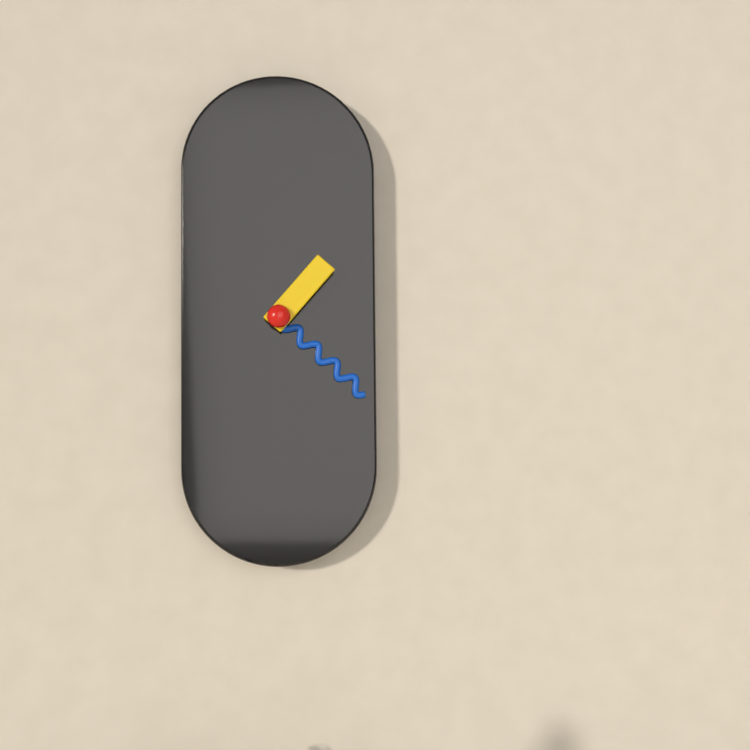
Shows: 1:22
